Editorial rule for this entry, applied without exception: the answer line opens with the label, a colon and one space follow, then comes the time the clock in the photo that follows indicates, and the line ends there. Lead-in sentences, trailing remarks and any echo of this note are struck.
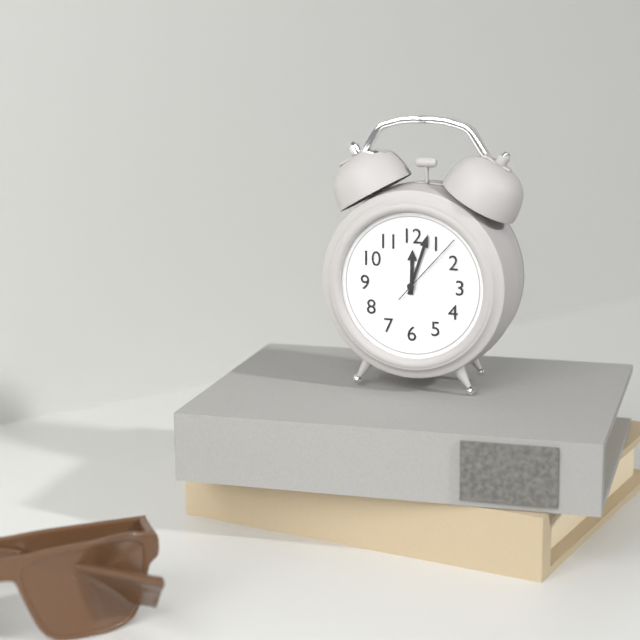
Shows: 12:03:07
